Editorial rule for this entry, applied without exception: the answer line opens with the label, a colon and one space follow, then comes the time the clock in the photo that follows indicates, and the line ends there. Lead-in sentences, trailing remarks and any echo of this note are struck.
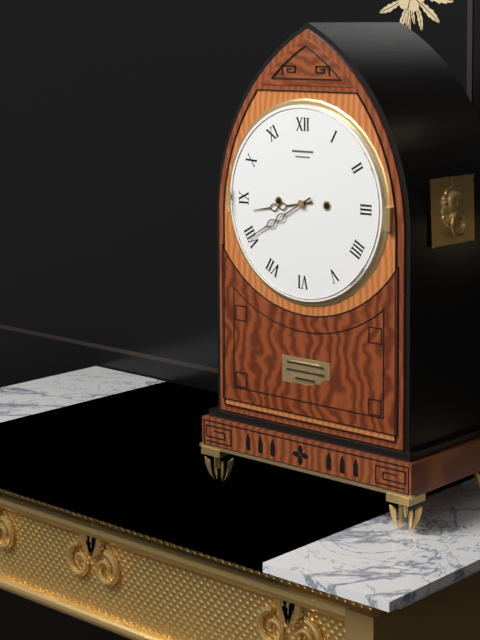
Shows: 8:40
